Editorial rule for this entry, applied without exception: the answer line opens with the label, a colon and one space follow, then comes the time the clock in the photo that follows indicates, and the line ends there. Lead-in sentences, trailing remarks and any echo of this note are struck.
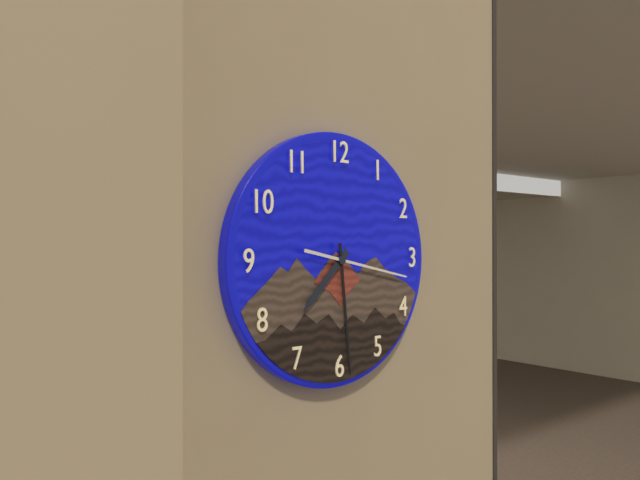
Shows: 7:29:17
